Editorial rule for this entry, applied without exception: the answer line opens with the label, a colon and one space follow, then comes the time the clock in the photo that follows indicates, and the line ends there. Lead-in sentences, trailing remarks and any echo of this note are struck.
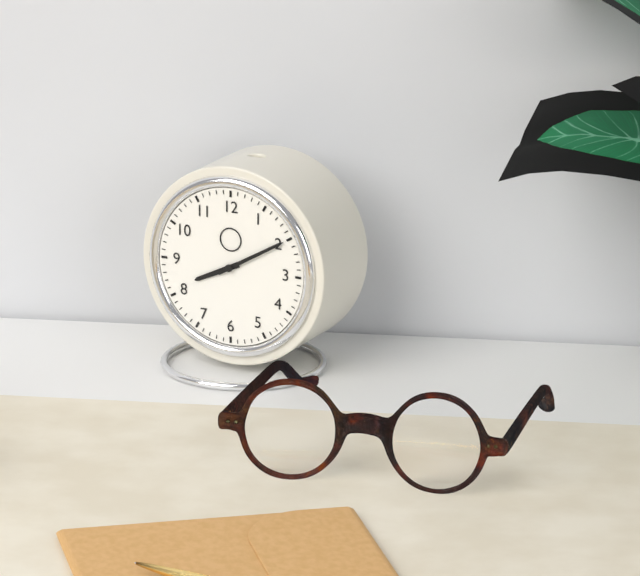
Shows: 8:10
